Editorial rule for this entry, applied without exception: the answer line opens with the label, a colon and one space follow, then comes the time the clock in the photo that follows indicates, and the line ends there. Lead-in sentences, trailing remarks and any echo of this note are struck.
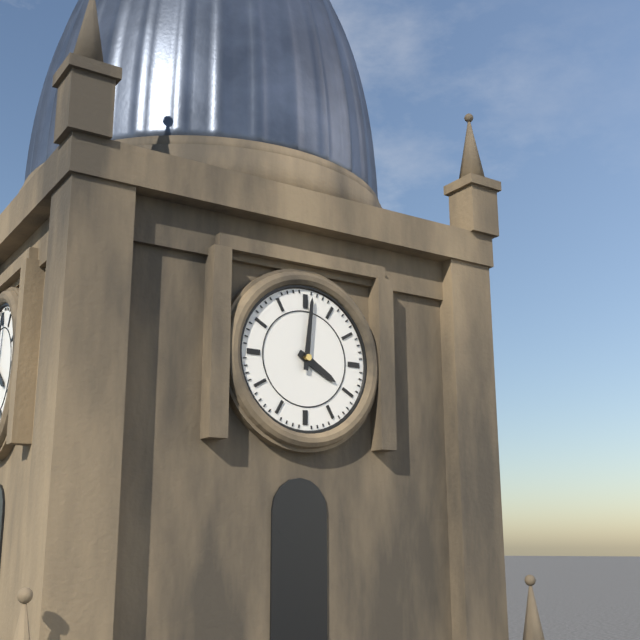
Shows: 4:01
